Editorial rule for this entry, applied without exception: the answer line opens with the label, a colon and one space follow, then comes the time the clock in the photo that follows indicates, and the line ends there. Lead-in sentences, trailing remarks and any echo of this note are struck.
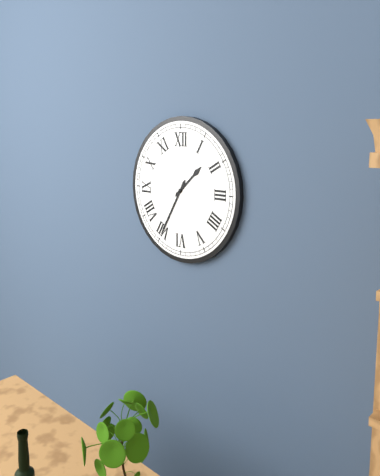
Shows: 1:35
